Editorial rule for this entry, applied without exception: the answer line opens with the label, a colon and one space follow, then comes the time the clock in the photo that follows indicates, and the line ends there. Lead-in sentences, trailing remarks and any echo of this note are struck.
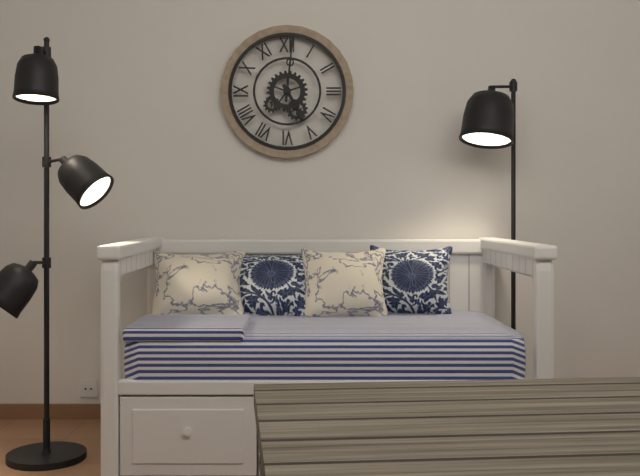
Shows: 5:01
